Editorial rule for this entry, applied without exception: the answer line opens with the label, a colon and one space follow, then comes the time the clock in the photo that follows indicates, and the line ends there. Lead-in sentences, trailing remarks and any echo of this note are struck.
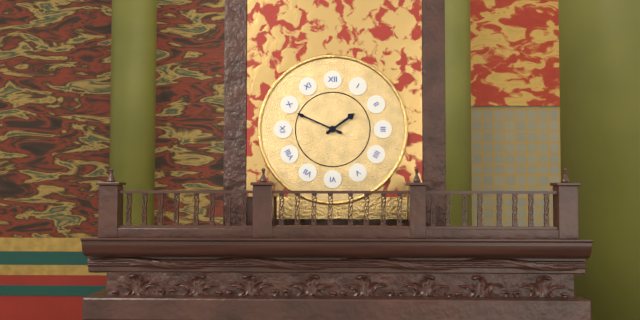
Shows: 1:49
